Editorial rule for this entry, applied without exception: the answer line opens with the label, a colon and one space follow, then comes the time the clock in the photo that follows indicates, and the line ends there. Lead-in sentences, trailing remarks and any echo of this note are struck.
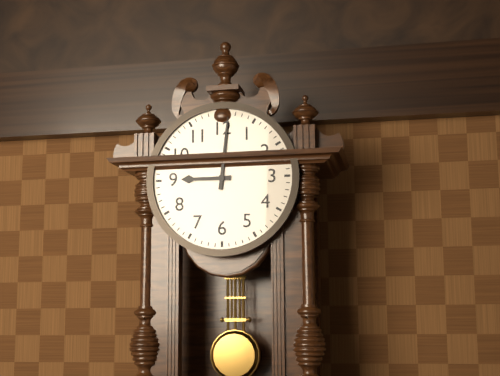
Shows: 9:01
